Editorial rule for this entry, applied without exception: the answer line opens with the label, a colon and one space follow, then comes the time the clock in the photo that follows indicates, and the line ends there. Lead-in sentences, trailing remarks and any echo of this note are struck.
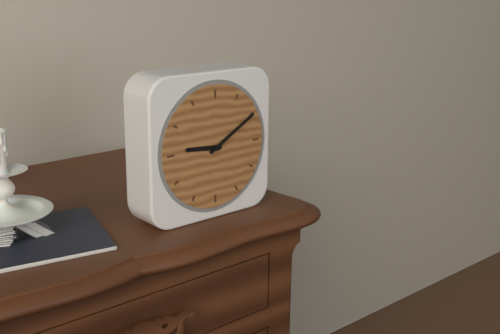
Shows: 9:10
